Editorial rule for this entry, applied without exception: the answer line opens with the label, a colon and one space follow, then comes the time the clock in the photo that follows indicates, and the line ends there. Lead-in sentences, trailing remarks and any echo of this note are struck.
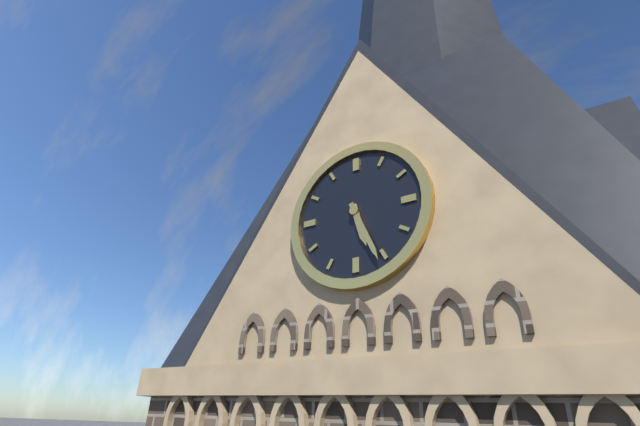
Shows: 5:26
